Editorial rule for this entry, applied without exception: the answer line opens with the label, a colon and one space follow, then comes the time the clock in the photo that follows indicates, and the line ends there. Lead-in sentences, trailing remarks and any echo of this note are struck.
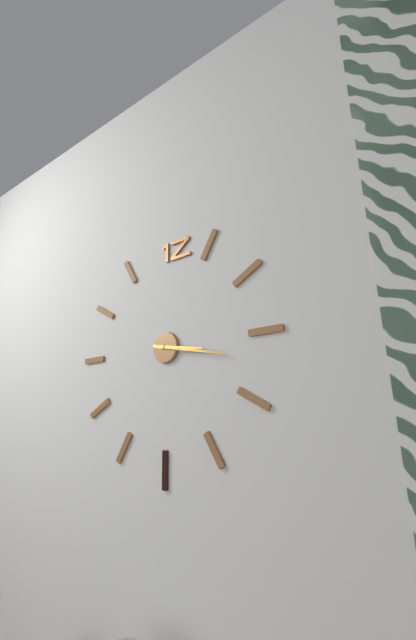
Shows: 3:17
